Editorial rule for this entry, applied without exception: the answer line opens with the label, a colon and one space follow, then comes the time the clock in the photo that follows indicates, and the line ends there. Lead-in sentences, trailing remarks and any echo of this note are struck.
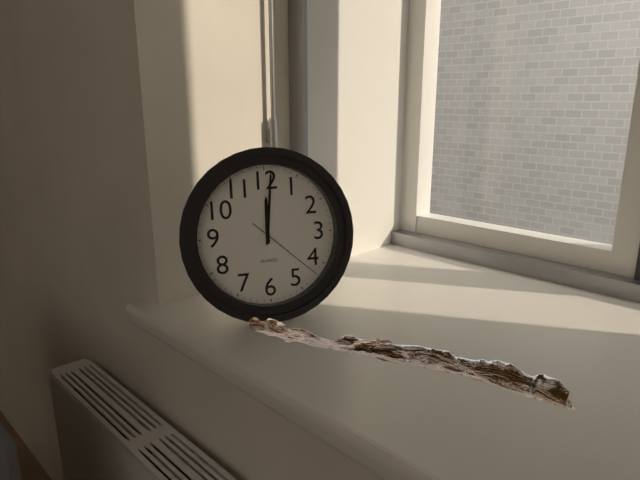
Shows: 12:01:22
